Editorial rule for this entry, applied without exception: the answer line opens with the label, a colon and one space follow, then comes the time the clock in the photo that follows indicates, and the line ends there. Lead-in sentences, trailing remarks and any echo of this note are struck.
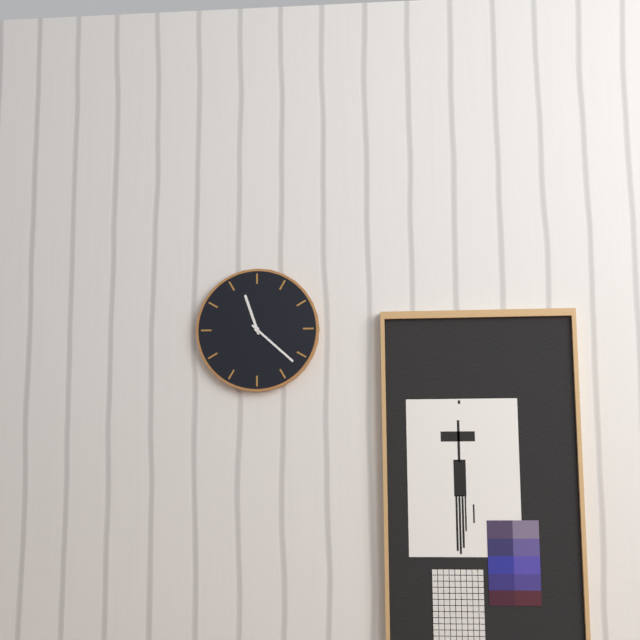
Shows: 11:22
